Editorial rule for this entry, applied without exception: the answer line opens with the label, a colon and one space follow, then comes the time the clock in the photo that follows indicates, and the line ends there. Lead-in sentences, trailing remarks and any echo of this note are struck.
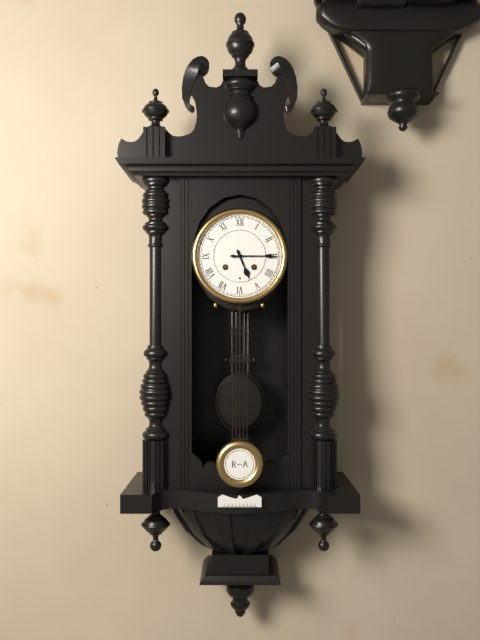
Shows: 5:15
